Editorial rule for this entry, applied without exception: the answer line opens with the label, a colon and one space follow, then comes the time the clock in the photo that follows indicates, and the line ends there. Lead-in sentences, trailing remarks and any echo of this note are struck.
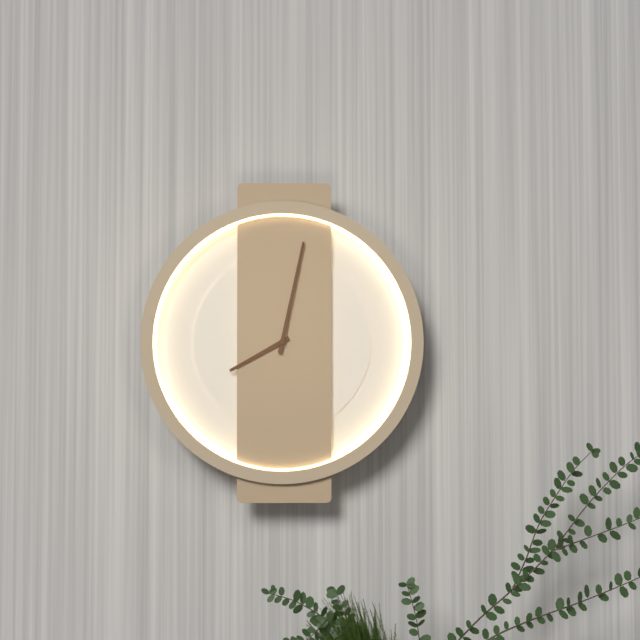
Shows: 8:02
